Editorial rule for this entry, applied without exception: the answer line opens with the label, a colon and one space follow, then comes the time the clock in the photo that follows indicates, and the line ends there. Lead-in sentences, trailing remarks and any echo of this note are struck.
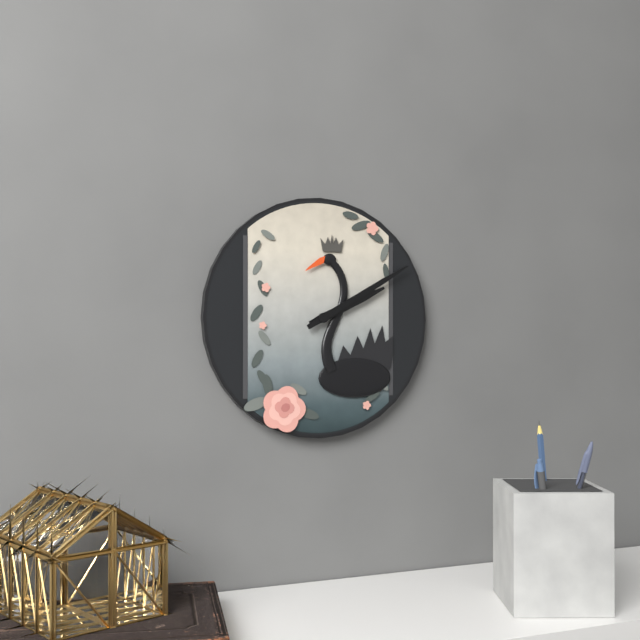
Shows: 2:10
